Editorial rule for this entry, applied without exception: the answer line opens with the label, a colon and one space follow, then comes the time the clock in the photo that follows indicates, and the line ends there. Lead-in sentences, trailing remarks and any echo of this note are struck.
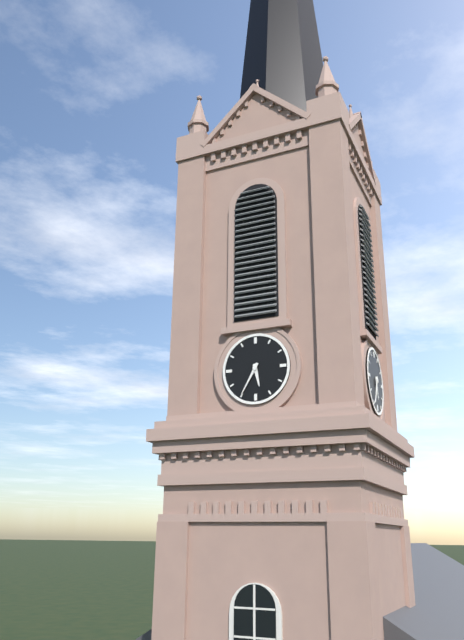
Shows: 5:35
